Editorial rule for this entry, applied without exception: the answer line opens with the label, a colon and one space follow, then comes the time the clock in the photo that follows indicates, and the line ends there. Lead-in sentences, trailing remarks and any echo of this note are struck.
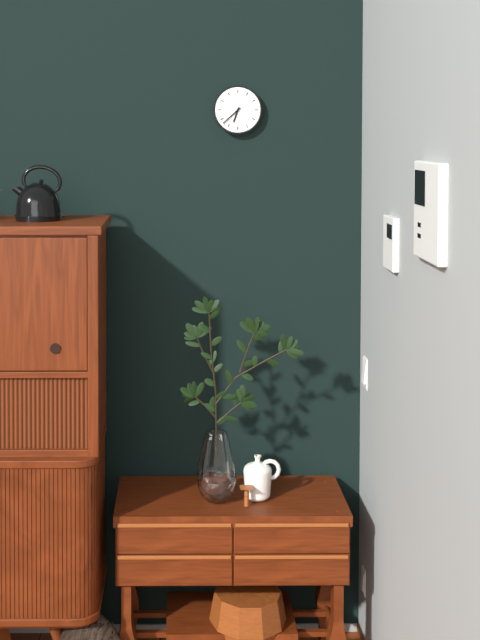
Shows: 6:38
